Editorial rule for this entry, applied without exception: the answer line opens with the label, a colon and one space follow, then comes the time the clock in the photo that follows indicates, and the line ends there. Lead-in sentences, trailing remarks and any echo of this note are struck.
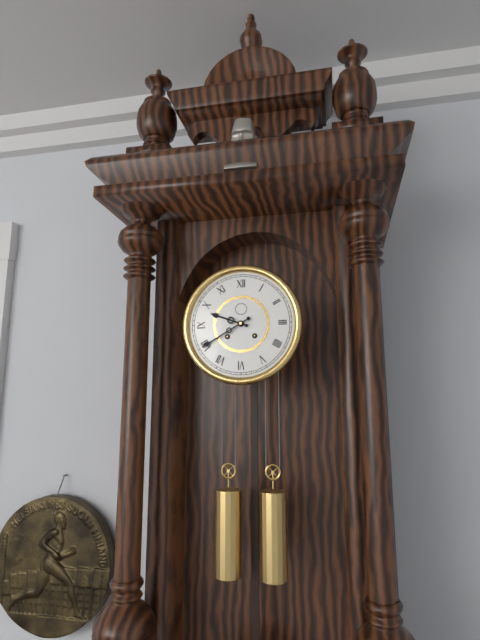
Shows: 9:40
